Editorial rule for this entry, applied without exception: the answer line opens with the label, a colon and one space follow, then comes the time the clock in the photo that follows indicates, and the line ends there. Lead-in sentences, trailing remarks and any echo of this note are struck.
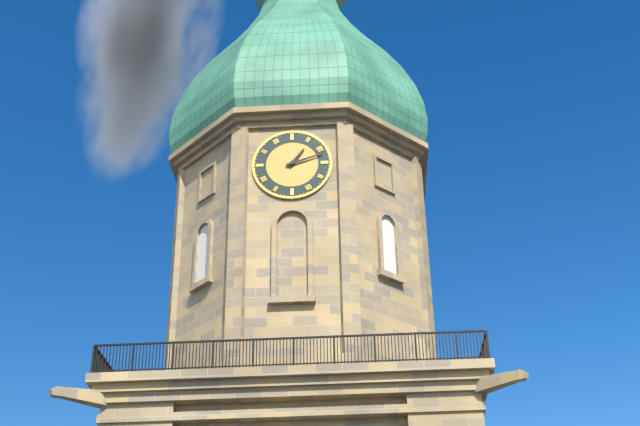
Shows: 1:12
